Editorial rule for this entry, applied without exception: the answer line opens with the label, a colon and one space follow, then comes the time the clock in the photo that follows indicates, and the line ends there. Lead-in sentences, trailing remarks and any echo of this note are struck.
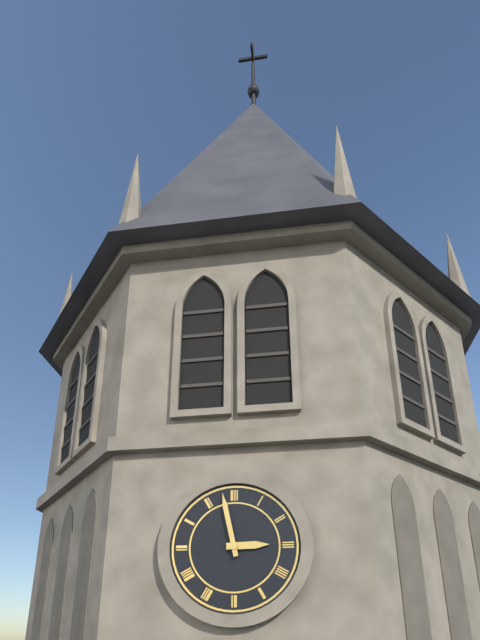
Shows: 2:58
